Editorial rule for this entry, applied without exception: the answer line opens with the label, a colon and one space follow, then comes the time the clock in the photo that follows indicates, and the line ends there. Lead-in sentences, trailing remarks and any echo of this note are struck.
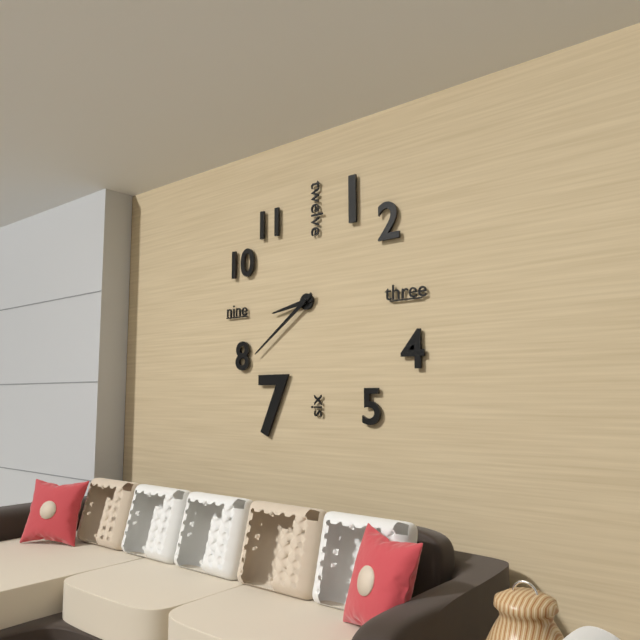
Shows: 8:39
